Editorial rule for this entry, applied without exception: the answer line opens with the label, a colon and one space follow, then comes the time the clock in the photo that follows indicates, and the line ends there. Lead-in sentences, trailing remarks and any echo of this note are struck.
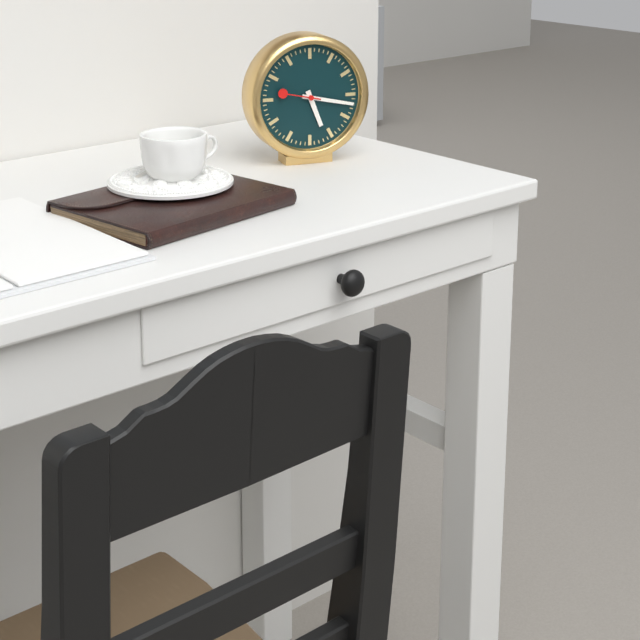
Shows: 5:17
